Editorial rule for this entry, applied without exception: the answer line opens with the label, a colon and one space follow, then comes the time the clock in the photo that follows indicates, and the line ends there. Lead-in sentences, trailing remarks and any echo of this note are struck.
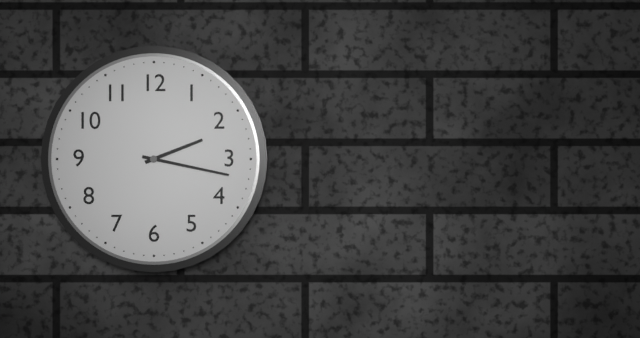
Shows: 2:17
